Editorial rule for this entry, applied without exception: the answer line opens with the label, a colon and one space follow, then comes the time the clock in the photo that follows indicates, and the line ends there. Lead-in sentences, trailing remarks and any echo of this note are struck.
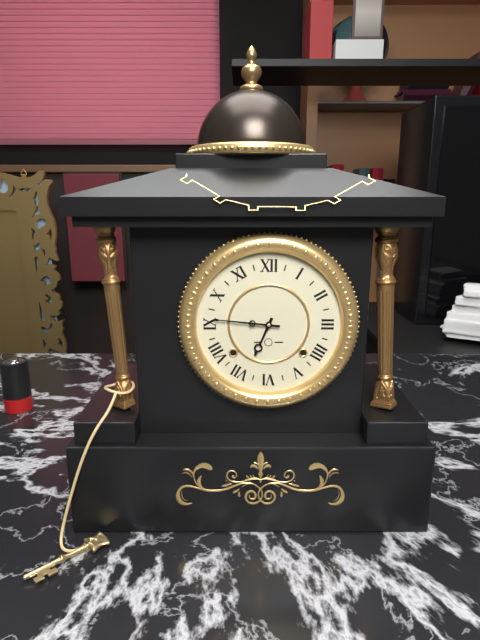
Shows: 6:46
